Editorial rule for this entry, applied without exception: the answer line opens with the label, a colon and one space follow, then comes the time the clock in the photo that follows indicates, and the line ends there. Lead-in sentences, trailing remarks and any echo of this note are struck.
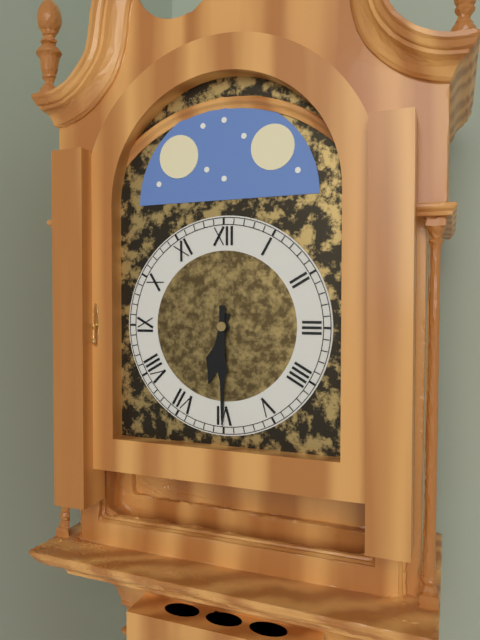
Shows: 6:30
